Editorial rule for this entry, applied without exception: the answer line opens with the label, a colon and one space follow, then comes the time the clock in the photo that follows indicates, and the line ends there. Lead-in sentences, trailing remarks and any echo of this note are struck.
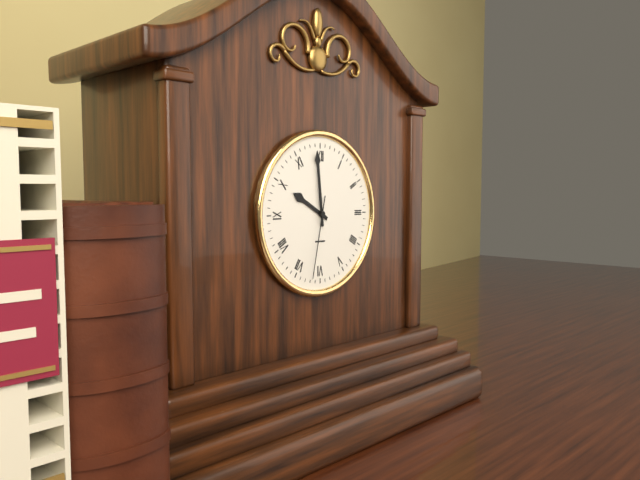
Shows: 9:59:32
